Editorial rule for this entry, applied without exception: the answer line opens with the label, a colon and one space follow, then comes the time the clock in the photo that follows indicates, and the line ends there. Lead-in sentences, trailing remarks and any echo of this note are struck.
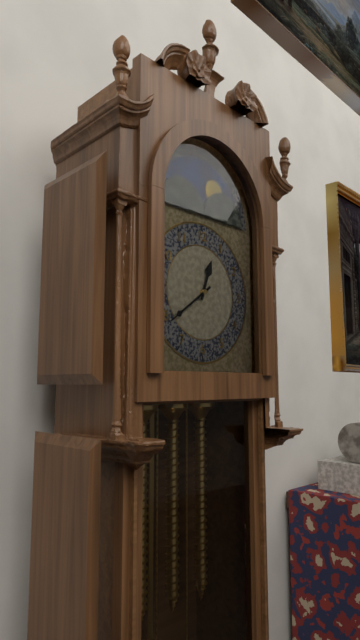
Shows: 12:39
